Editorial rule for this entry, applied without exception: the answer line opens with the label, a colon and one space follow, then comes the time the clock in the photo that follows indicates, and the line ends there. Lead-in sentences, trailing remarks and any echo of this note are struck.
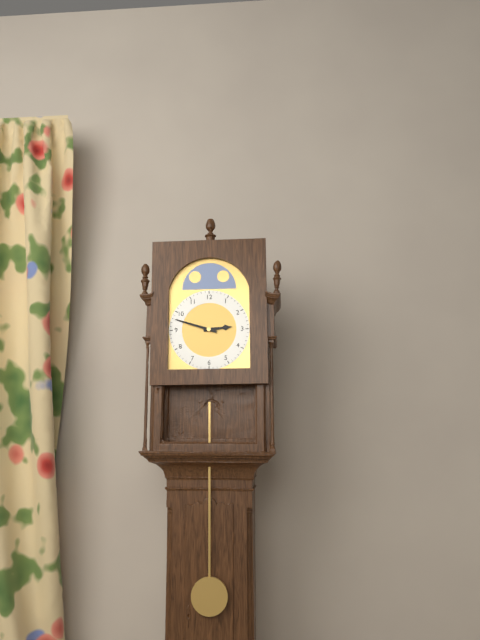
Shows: 2:48
